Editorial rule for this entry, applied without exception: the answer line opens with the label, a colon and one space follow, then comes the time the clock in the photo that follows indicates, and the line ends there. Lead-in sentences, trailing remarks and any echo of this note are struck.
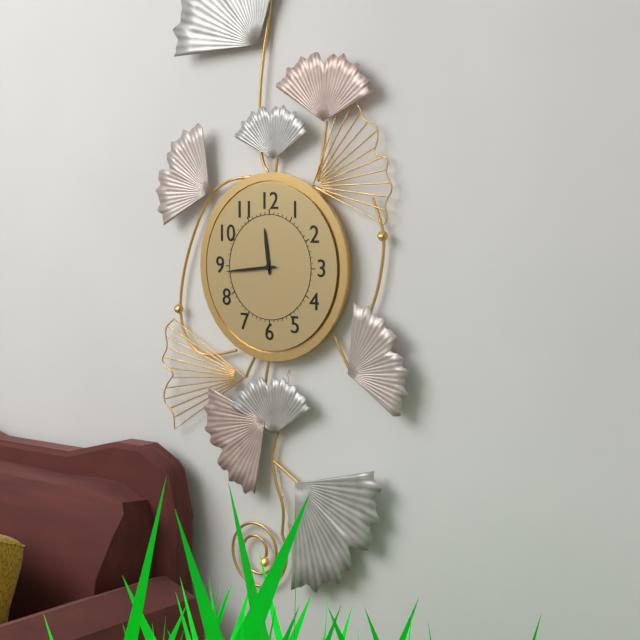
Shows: 11:44
